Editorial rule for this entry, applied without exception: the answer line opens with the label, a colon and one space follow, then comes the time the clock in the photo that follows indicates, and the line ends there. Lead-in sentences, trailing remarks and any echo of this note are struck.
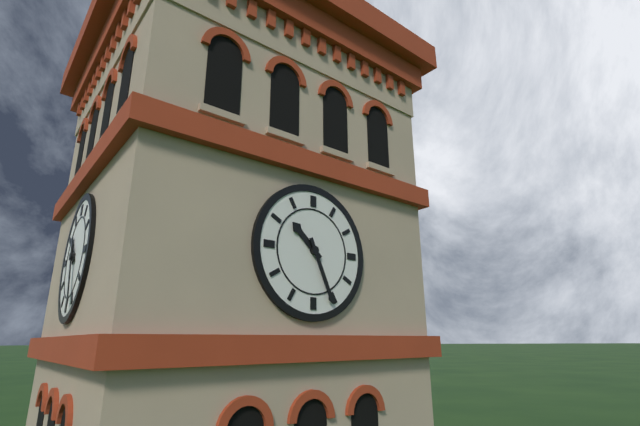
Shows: 10:26
